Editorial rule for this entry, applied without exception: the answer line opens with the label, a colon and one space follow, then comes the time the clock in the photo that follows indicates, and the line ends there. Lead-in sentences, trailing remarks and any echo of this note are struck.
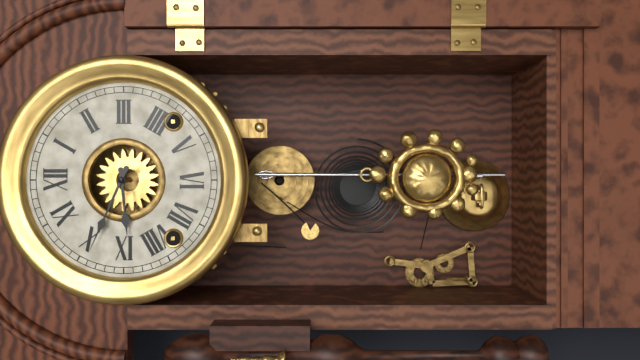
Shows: 8:49
